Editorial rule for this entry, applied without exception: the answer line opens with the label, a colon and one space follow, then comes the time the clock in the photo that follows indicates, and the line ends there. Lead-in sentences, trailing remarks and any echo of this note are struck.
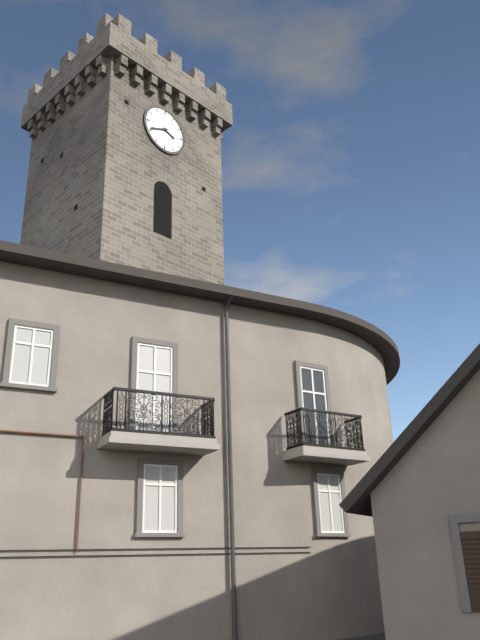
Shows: 3:41
